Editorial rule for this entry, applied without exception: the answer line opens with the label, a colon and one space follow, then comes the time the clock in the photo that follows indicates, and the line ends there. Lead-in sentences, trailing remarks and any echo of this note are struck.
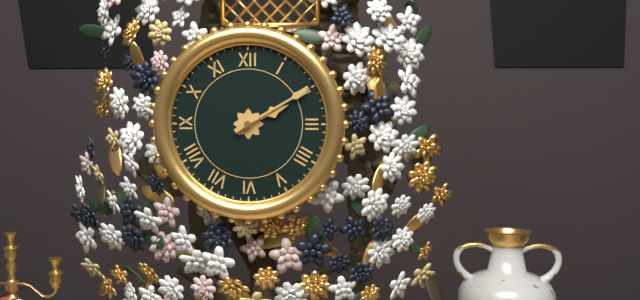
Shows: 2:10
